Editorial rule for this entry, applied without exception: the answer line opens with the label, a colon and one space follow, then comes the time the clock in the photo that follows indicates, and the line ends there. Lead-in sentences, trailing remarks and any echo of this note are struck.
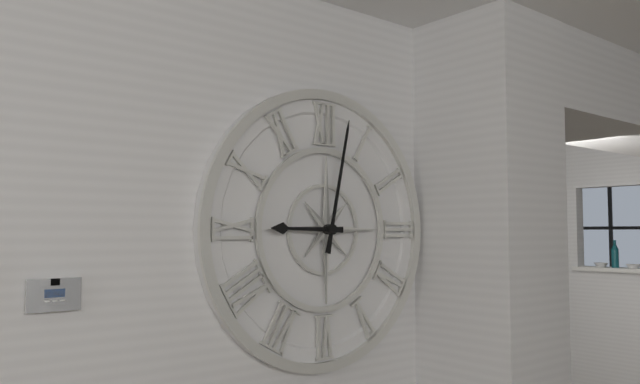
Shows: 9:02
